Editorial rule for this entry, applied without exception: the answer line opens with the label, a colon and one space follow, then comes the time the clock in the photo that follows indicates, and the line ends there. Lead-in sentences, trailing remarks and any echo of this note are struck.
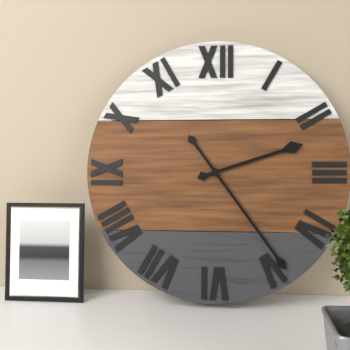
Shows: 2:24
